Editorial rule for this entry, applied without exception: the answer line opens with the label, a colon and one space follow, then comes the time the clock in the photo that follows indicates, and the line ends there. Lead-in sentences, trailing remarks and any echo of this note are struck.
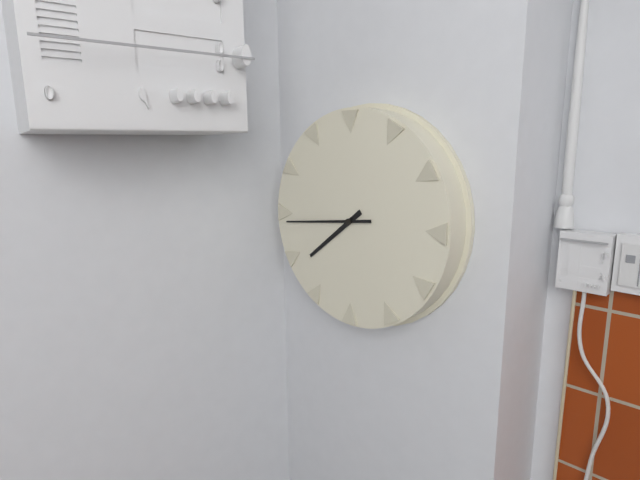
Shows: 7:44
